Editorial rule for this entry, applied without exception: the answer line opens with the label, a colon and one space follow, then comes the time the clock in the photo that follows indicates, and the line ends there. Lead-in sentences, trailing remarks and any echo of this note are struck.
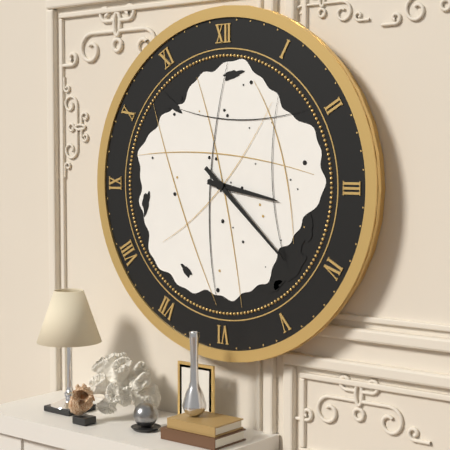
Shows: 3:22
